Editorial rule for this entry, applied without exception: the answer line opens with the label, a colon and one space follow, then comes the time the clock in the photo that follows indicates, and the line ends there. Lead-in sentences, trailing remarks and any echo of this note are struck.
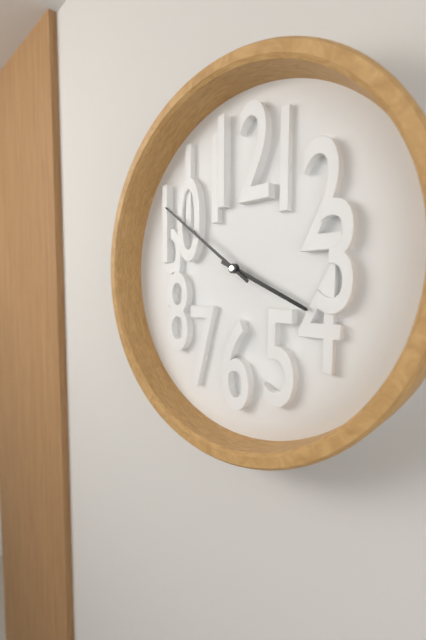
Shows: 3:51
